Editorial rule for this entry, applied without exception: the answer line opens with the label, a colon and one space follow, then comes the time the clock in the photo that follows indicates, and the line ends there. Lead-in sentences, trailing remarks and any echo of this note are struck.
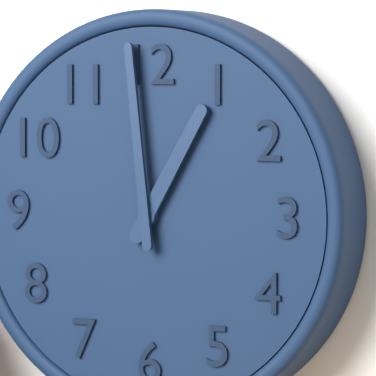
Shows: 12:59
